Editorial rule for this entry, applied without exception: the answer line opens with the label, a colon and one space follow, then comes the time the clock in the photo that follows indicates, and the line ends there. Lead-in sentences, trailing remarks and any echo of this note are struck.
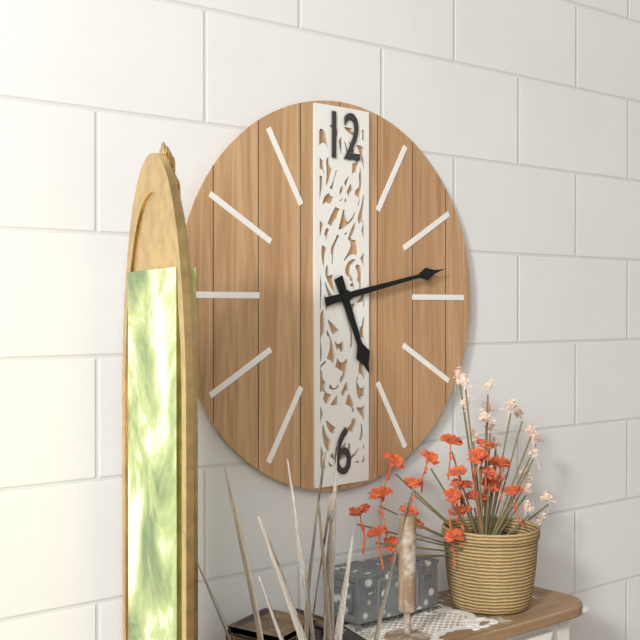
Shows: 5:13
